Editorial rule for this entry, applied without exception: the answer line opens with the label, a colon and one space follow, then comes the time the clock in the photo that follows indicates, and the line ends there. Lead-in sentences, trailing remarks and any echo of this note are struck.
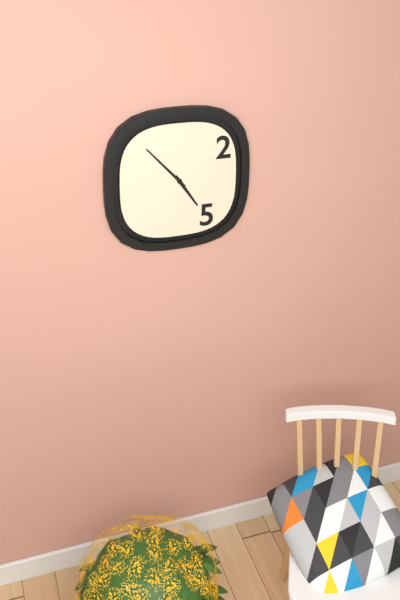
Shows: 4:53
